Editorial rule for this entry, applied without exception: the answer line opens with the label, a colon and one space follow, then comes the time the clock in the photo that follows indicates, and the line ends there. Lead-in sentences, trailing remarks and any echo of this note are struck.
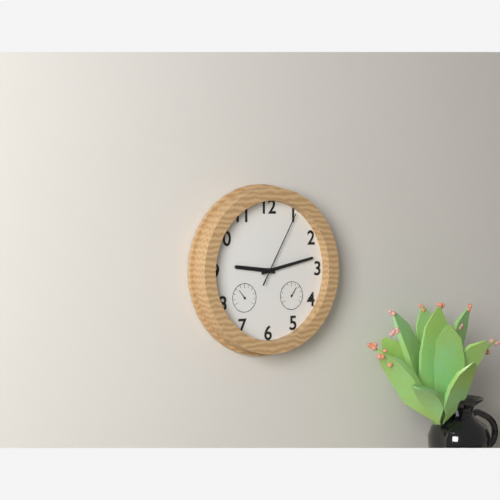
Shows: 9:13:05
